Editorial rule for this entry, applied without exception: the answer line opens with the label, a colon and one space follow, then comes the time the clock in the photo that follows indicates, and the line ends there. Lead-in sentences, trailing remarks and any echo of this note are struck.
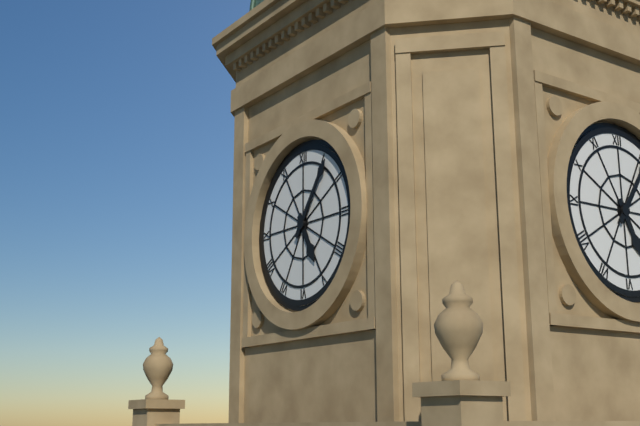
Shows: 5:06
